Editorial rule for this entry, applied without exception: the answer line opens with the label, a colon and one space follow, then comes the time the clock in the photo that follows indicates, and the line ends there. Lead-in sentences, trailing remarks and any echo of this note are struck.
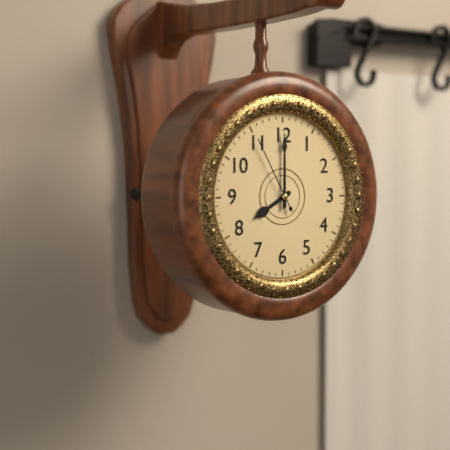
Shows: 8:00:55
